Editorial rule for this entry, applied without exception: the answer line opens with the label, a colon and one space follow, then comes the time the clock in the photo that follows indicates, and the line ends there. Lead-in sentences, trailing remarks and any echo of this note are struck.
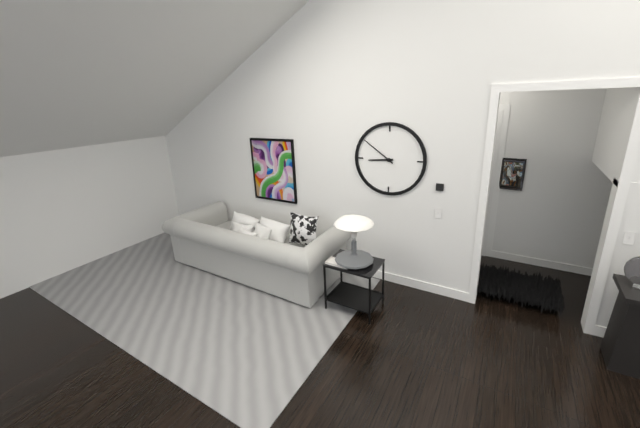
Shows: 8:51
